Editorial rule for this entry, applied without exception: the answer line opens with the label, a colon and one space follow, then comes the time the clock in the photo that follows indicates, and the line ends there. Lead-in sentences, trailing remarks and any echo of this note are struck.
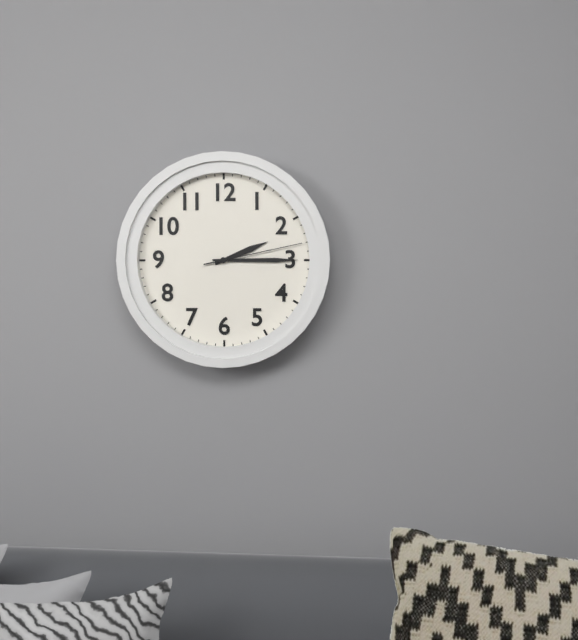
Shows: 2:15:13
